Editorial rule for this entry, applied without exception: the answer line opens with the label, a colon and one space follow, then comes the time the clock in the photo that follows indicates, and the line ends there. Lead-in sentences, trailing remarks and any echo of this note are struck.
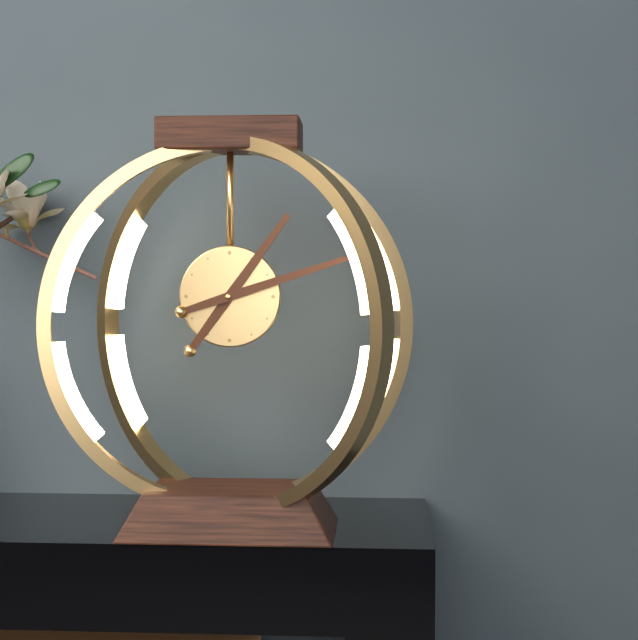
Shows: 1:12
